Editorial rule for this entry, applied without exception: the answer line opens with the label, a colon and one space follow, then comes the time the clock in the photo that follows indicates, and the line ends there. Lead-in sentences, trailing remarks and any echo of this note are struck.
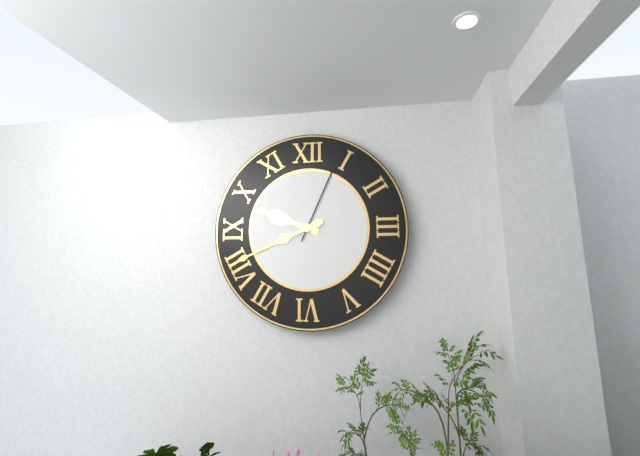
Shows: 9:41:04
